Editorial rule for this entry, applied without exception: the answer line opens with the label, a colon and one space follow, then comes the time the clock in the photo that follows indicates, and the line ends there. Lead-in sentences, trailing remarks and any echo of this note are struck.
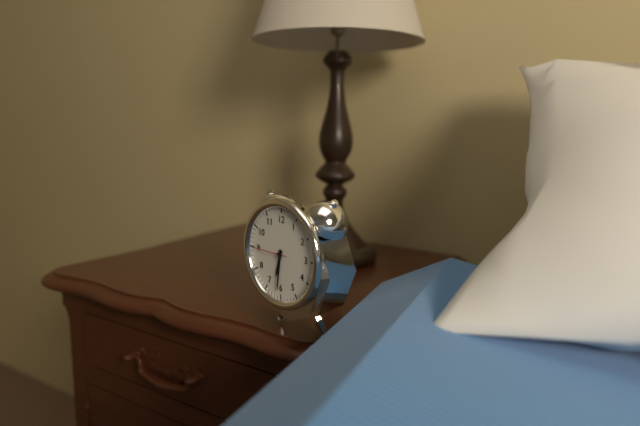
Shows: 6:31
